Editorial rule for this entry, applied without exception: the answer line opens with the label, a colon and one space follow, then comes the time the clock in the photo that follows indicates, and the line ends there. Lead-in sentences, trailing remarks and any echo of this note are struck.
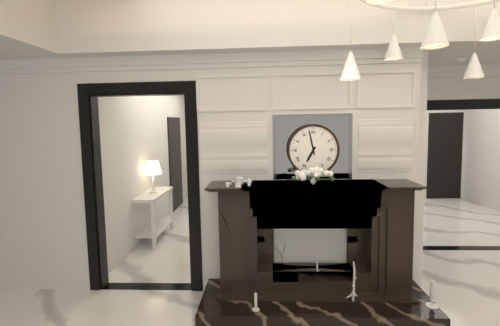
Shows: 6:58
